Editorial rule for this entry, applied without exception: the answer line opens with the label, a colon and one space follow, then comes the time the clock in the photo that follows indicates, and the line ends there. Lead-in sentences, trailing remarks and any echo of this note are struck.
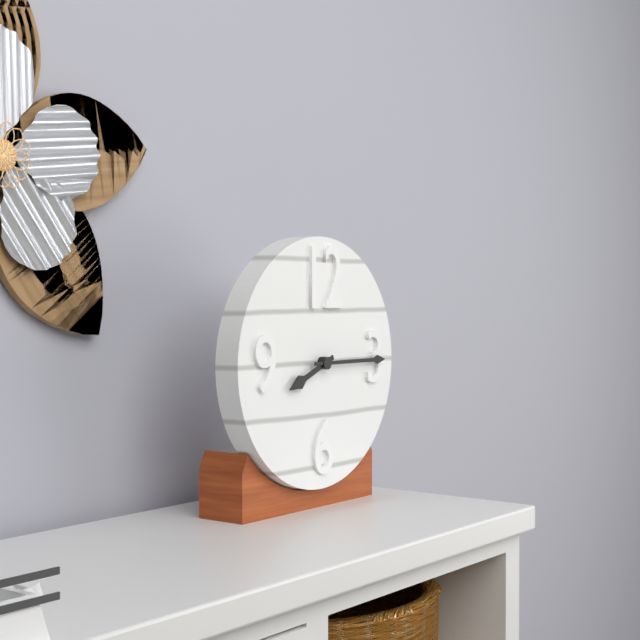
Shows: 8:15
